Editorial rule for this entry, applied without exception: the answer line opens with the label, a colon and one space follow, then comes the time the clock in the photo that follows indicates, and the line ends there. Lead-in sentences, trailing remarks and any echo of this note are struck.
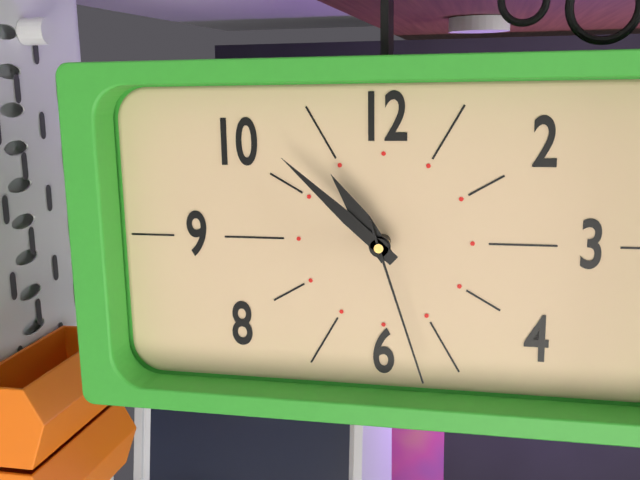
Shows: 10:52:27
